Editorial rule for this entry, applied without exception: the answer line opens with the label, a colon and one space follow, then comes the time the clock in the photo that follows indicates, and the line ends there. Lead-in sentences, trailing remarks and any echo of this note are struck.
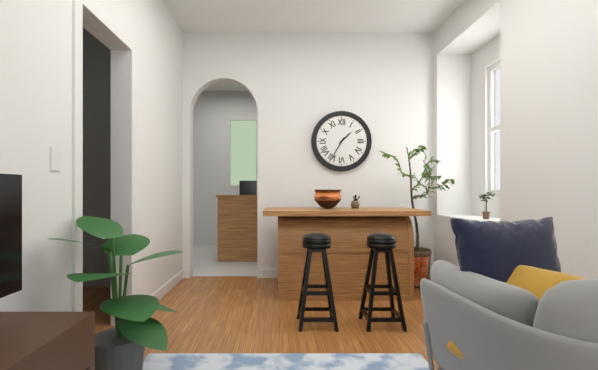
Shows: 1:35
